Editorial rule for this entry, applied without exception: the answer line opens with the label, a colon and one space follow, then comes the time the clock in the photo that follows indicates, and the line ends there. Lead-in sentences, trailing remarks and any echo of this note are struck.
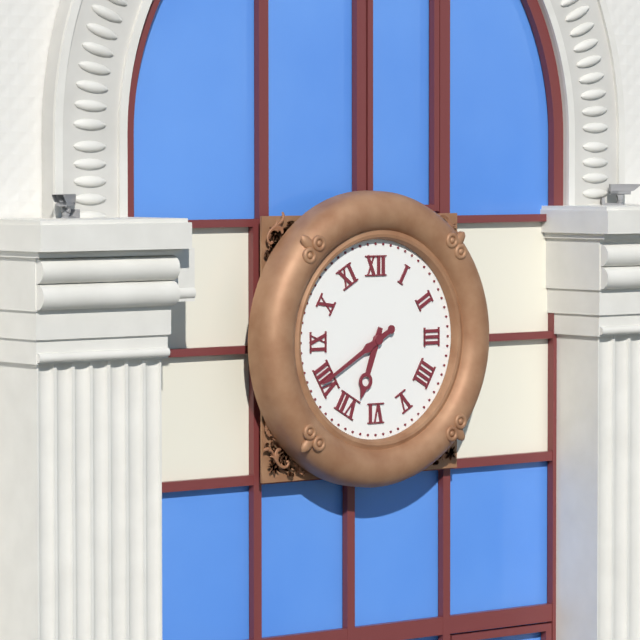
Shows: 6:40
